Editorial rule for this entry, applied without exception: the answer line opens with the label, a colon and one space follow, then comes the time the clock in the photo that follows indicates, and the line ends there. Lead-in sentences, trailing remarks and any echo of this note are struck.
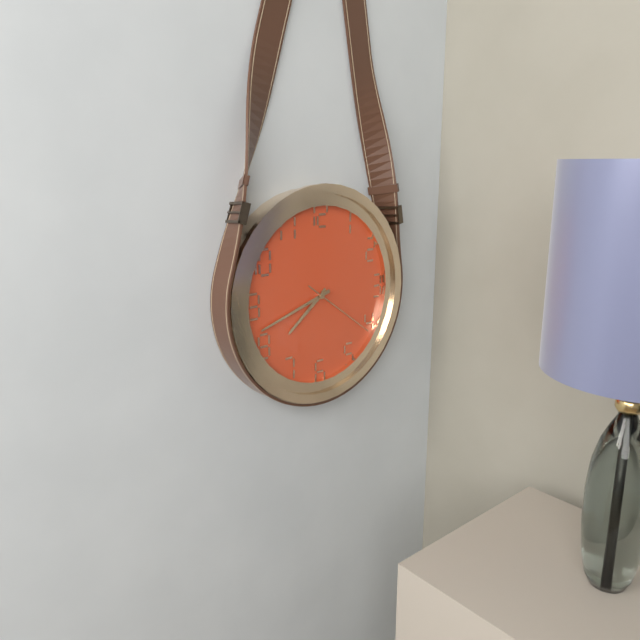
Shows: 7:42:21
